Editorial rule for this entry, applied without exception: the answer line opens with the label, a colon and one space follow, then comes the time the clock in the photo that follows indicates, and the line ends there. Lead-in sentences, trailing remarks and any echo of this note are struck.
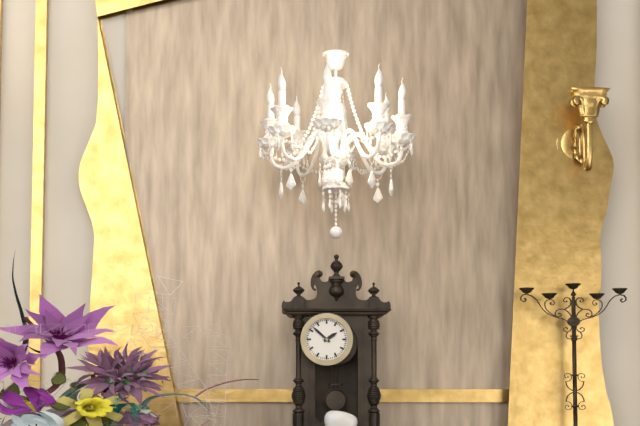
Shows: 1:52
